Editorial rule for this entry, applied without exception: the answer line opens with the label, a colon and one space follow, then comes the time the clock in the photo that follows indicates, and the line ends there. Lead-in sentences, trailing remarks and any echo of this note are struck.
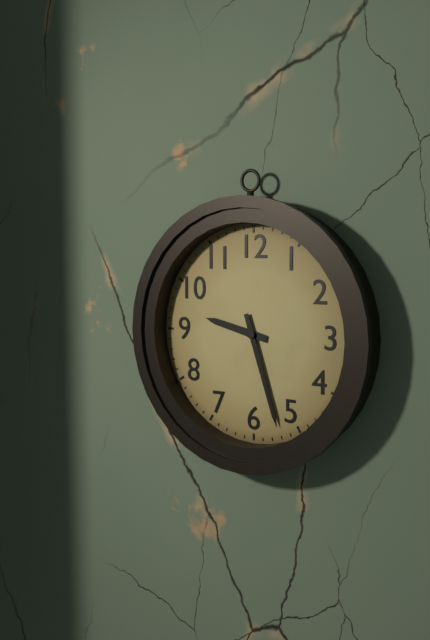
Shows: 9:27
